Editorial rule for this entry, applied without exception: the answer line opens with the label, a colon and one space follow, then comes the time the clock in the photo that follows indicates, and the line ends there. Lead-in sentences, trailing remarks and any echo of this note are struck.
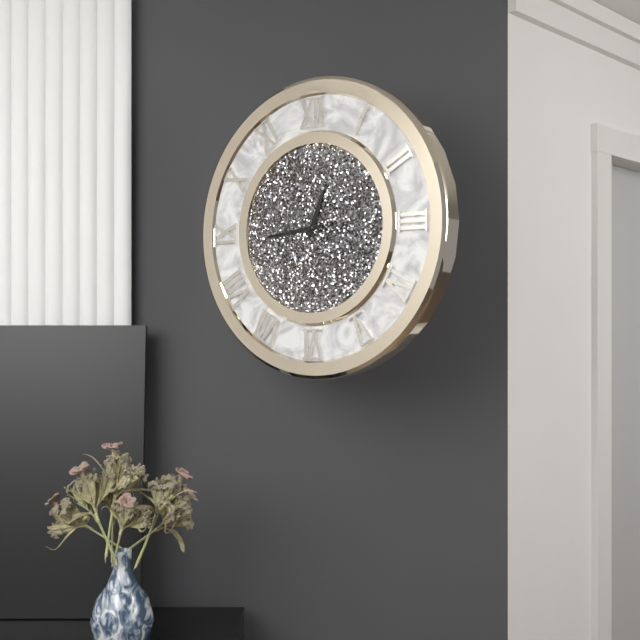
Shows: 12:44
